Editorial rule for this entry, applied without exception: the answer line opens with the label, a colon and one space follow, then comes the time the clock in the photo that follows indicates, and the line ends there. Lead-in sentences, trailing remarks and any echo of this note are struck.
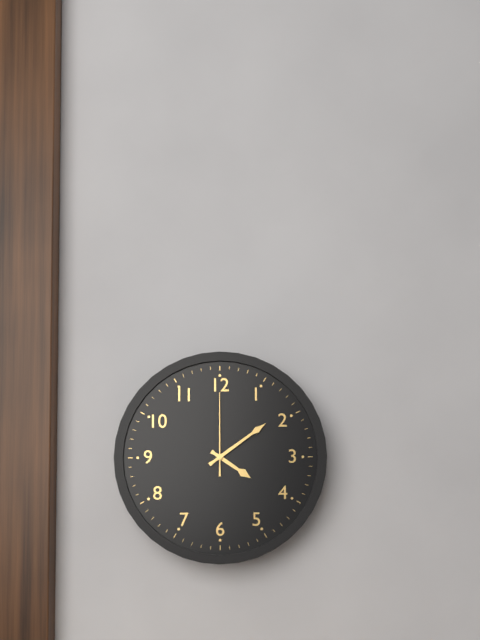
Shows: 4:09:00
